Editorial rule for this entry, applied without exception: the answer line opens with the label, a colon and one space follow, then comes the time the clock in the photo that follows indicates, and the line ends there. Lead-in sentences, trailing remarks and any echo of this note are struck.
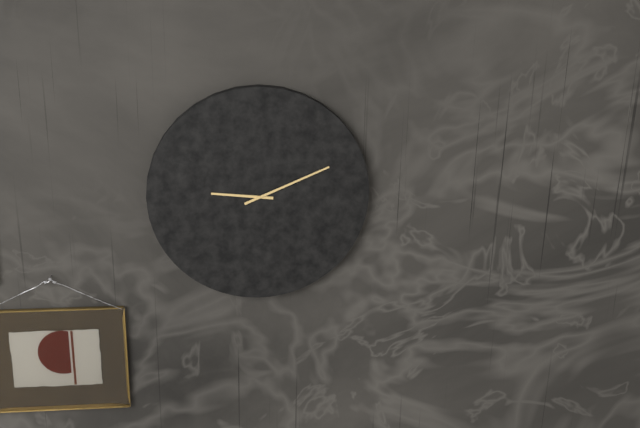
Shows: 9:11
